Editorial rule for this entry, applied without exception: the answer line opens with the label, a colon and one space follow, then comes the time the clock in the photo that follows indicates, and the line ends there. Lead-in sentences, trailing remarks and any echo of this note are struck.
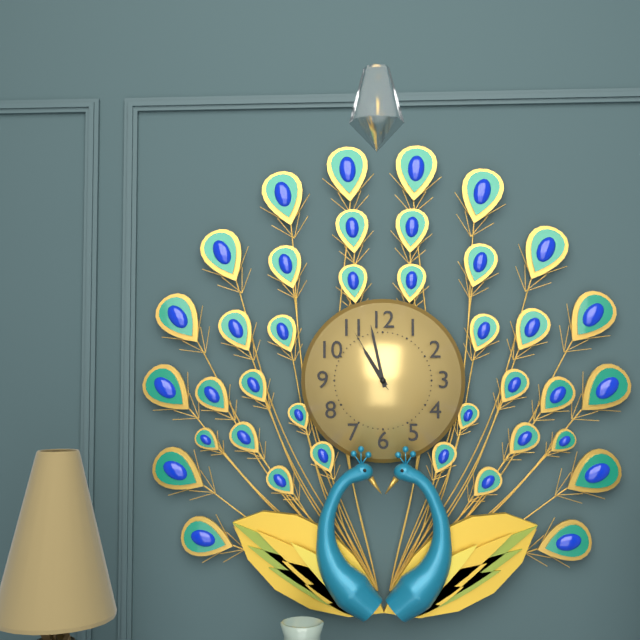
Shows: 10:58:55
